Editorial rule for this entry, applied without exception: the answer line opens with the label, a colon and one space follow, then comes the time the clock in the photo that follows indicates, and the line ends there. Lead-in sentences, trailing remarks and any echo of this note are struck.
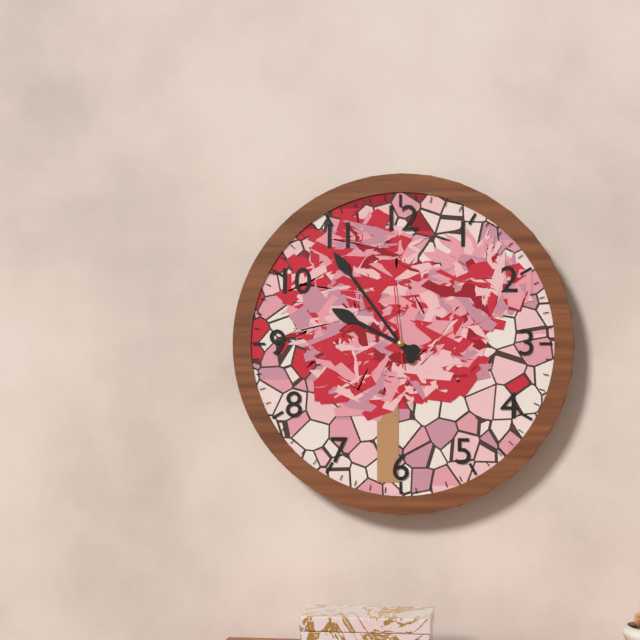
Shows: 9:54:59
